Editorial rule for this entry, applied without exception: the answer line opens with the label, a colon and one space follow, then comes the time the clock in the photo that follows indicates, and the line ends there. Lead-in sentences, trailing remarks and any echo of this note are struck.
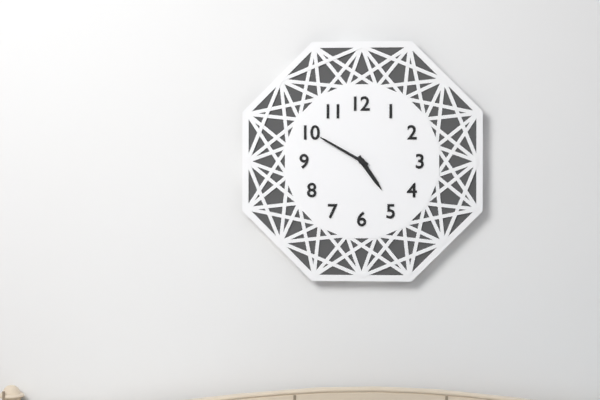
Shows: 4:50
